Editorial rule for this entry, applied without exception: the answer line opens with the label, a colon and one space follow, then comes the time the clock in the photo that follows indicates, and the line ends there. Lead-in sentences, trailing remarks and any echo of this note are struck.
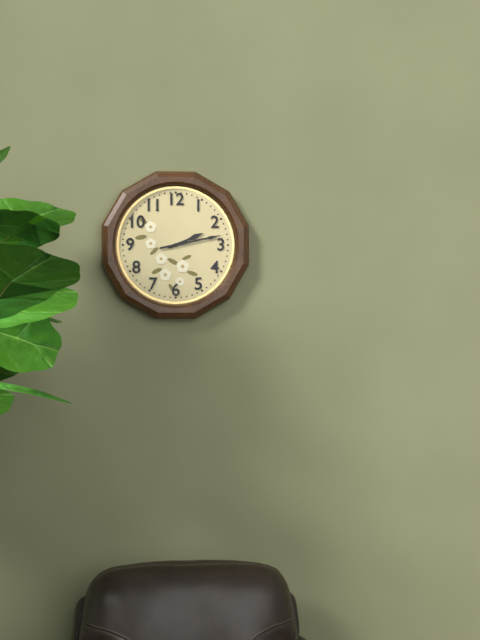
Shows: 2:13
